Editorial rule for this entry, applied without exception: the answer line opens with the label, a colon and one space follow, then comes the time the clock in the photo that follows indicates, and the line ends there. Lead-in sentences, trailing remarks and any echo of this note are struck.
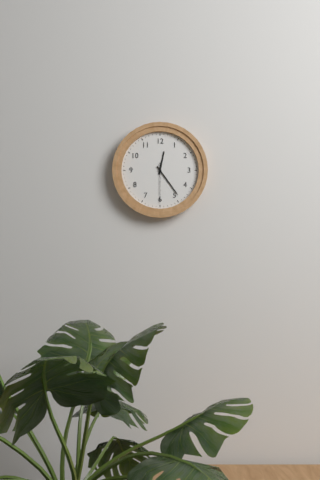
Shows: 12:24
